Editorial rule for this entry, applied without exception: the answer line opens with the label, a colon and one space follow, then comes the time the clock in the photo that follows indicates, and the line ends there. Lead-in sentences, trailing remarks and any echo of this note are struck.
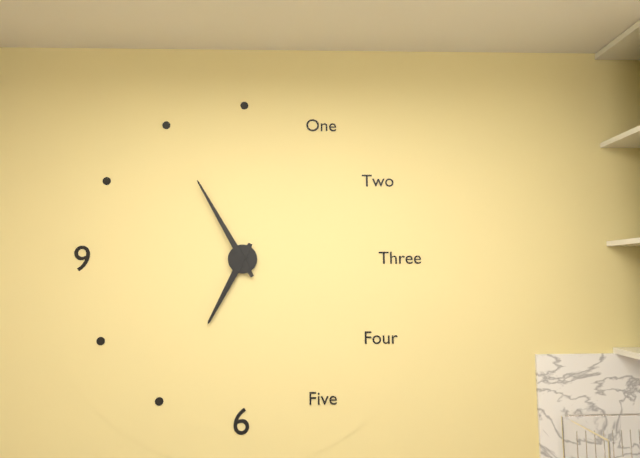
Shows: 6:55
